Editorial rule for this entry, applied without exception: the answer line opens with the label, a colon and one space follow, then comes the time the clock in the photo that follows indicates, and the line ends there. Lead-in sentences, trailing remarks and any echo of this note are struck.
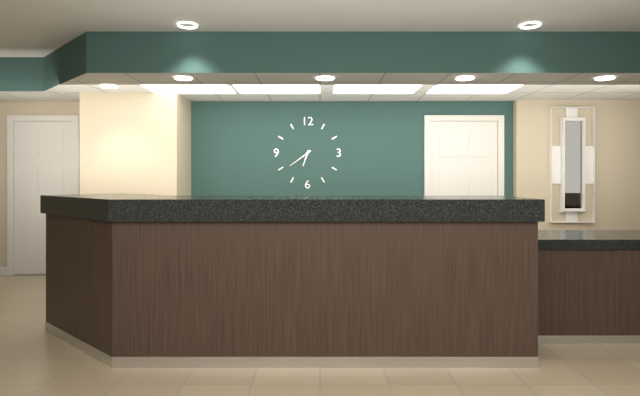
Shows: 6:39
